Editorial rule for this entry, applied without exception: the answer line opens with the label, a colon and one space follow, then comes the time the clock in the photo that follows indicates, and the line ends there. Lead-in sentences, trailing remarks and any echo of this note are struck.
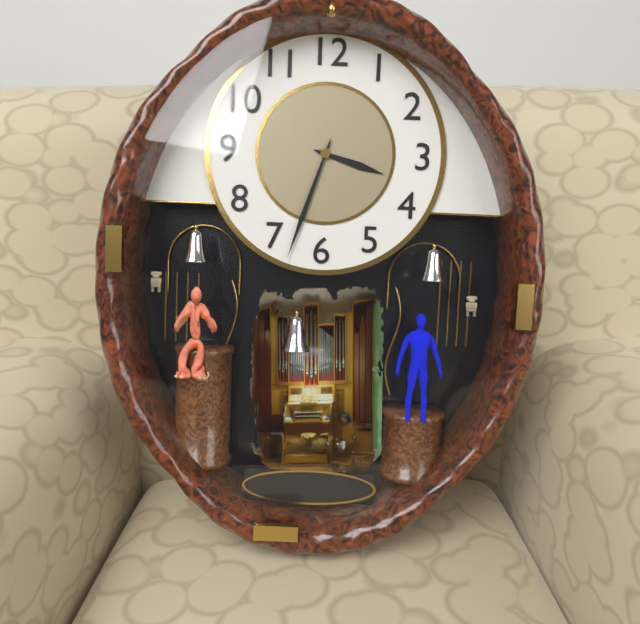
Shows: 3:33
